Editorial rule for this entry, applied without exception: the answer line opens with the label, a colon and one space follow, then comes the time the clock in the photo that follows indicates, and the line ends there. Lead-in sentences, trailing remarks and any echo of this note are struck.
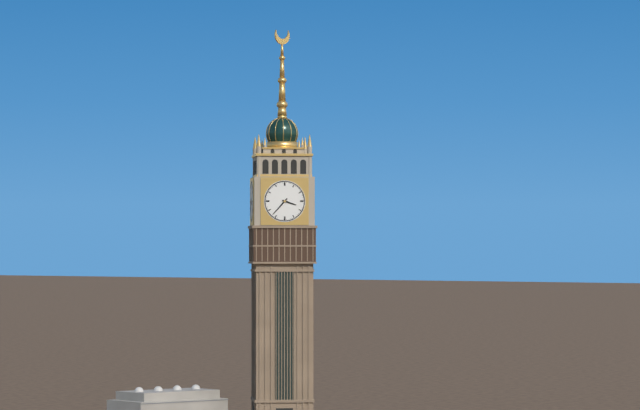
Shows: 3:37
